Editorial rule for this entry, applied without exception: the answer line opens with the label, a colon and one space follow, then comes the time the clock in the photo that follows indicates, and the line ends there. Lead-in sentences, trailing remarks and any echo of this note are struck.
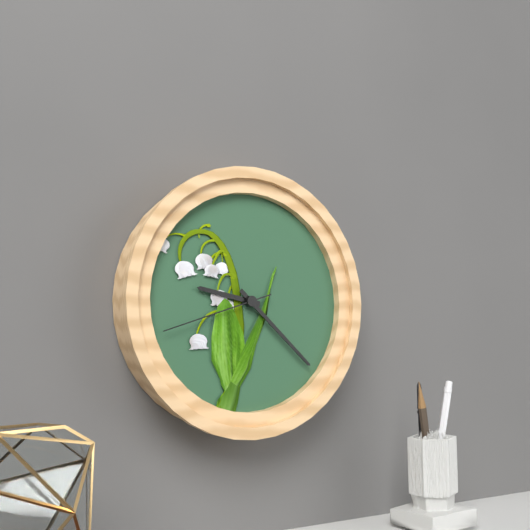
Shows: 9:22:42
